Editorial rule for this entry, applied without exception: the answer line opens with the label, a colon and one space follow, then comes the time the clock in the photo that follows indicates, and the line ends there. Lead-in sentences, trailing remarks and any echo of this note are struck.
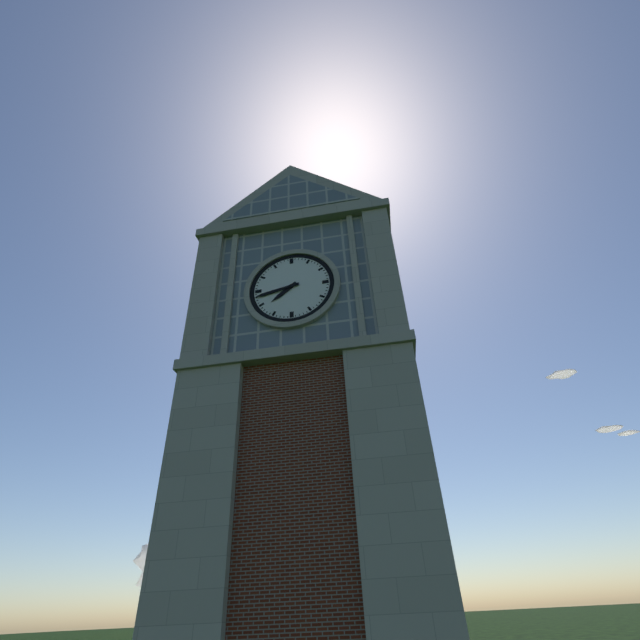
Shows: 7:43
